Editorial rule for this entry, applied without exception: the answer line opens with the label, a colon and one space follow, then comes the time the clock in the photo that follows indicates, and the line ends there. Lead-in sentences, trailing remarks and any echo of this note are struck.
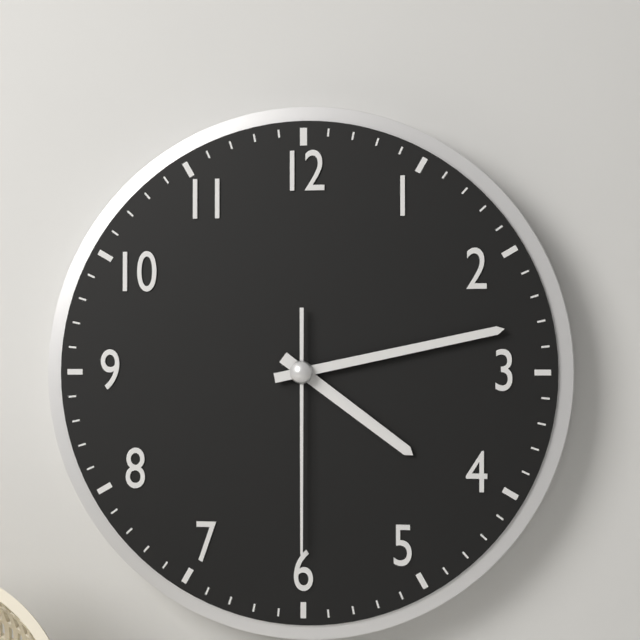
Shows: 4:13:30
